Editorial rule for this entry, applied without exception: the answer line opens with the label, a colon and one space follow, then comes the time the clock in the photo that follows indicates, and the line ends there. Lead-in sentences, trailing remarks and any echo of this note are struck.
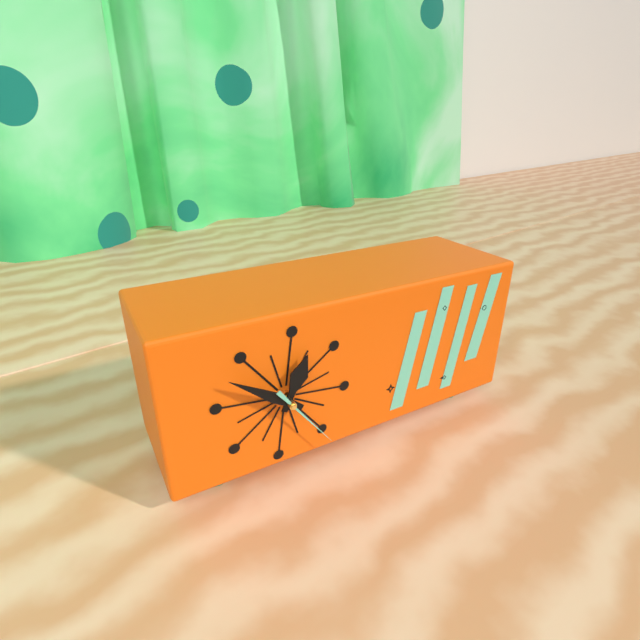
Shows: 12:51:24
